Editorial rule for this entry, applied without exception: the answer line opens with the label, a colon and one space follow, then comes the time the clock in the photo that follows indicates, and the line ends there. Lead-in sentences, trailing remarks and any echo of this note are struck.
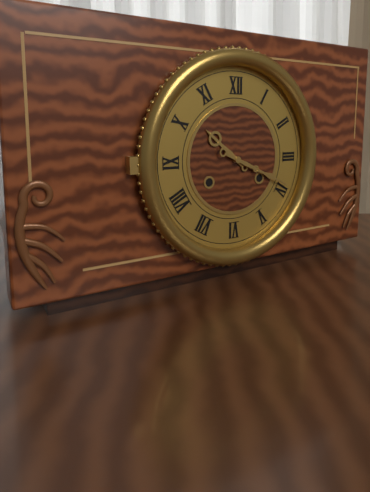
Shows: 10:19
